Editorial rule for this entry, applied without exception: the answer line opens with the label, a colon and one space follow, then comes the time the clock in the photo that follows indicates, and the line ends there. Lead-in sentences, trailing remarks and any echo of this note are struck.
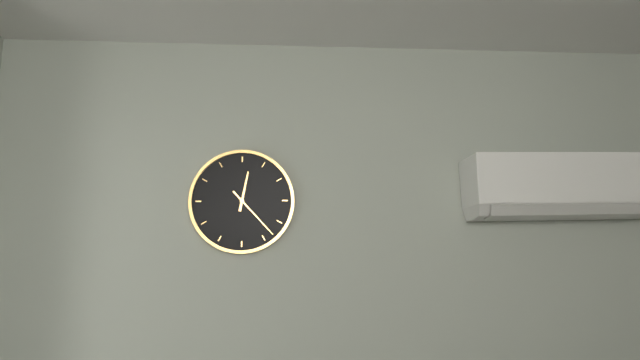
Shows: 12:23
